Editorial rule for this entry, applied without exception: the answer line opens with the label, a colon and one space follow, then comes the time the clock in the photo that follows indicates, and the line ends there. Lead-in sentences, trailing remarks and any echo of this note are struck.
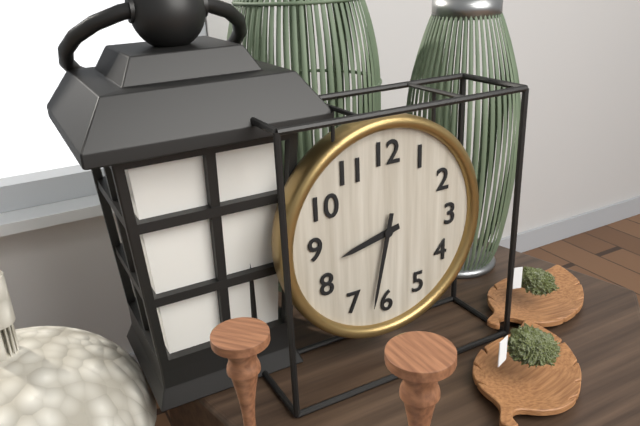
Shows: 8:32
